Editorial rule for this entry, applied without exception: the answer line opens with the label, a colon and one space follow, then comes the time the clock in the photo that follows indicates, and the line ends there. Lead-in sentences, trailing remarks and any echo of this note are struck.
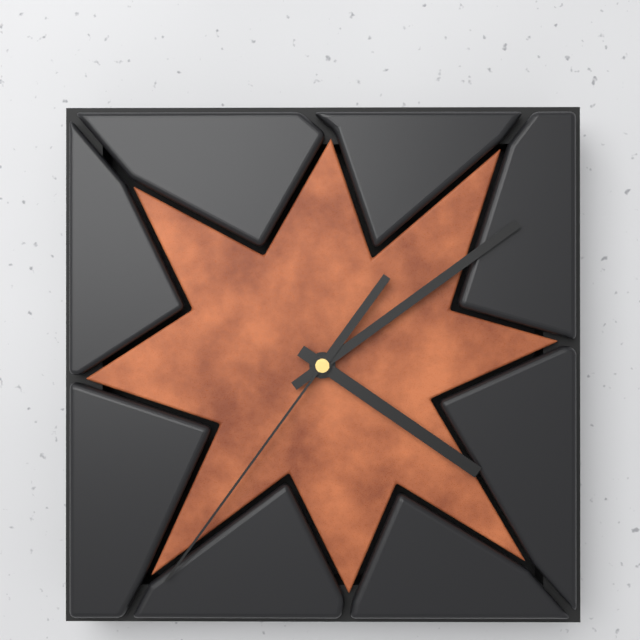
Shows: 4:09:36
